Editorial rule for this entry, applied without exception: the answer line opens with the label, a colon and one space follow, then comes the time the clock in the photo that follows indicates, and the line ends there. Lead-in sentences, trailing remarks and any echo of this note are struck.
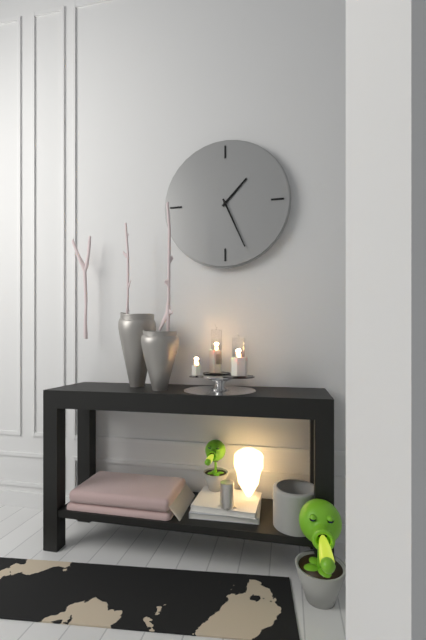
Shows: 1:26
